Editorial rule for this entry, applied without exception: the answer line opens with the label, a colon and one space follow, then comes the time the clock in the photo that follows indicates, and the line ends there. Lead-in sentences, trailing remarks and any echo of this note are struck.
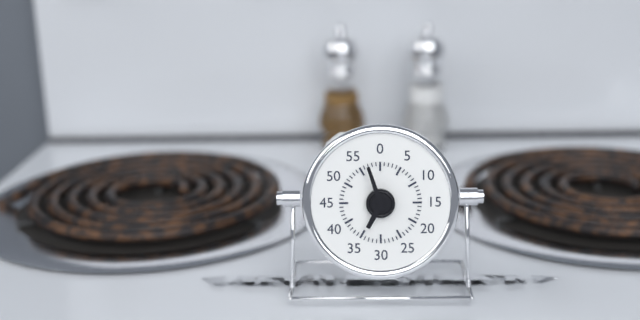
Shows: 6:57
